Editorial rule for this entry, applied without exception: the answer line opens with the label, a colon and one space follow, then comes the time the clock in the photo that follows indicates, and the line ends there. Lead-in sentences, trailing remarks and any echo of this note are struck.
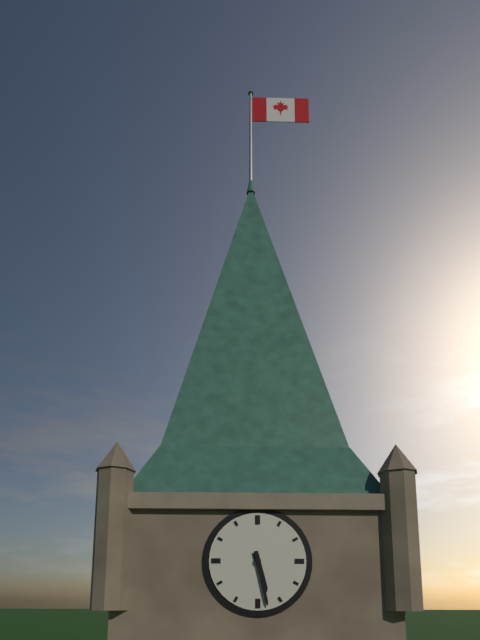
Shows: 5:28
